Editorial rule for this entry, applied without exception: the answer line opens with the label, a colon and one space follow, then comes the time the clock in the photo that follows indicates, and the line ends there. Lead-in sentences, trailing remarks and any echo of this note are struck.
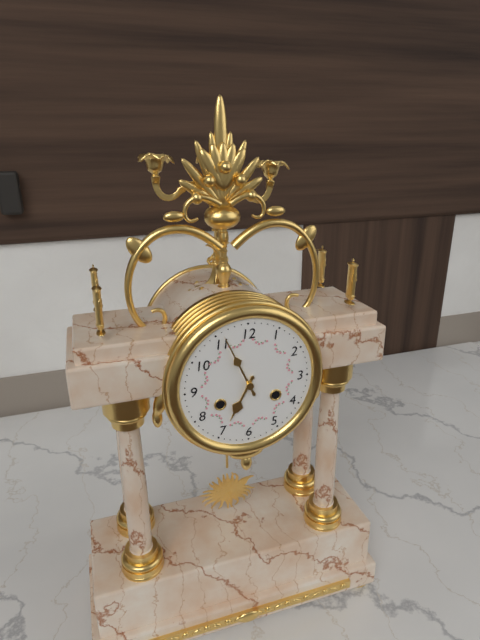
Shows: 6:56
